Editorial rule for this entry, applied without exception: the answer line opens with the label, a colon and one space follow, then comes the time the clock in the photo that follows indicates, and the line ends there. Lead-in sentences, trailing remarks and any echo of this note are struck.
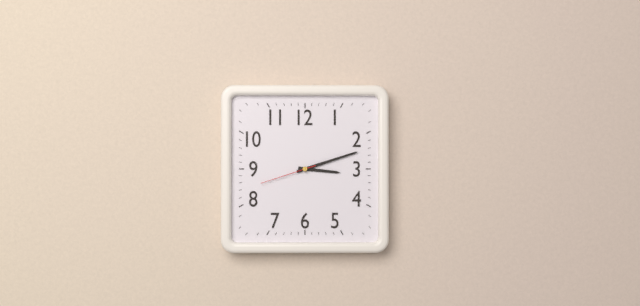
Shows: 3:12:42
